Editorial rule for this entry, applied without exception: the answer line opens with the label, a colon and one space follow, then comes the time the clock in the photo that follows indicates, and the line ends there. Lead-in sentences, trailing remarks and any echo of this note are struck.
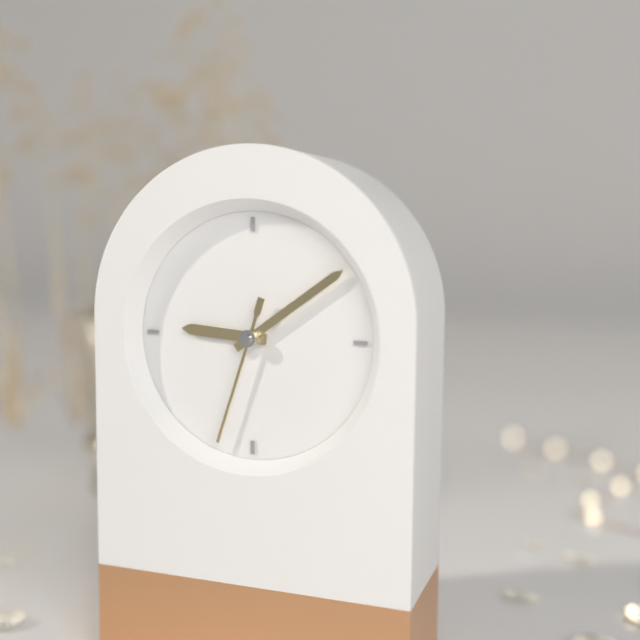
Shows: 9:09:33
